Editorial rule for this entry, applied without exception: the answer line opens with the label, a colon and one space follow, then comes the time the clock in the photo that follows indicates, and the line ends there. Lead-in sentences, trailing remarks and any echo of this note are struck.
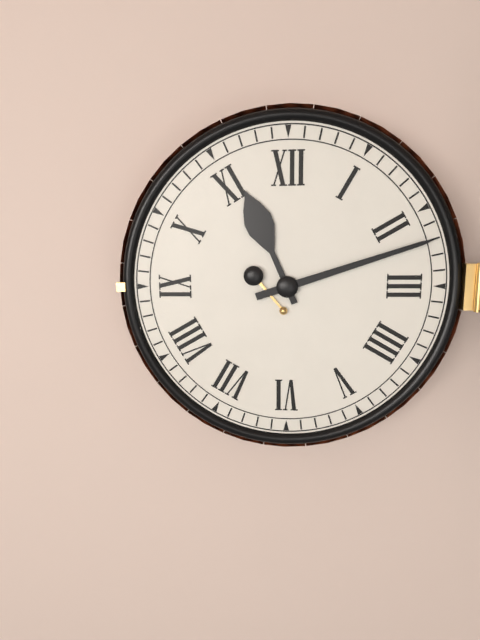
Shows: 11:12
